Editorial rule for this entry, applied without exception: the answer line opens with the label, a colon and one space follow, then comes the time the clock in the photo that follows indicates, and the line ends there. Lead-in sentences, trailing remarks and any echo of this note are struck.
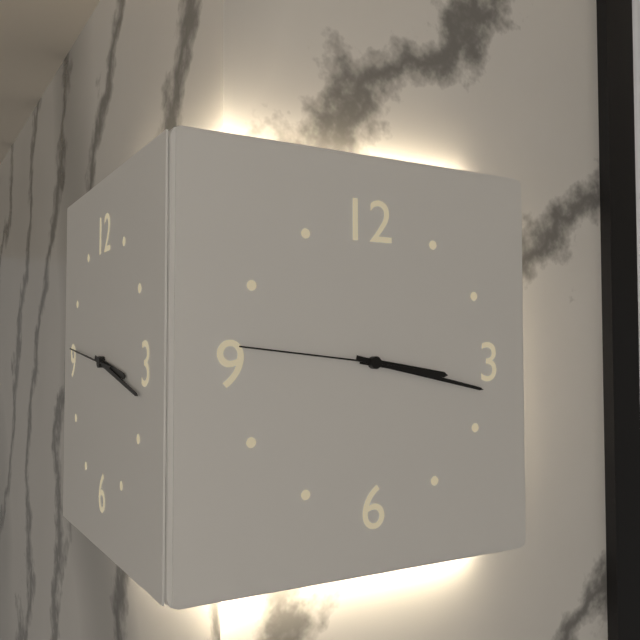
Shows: 3:17:46
